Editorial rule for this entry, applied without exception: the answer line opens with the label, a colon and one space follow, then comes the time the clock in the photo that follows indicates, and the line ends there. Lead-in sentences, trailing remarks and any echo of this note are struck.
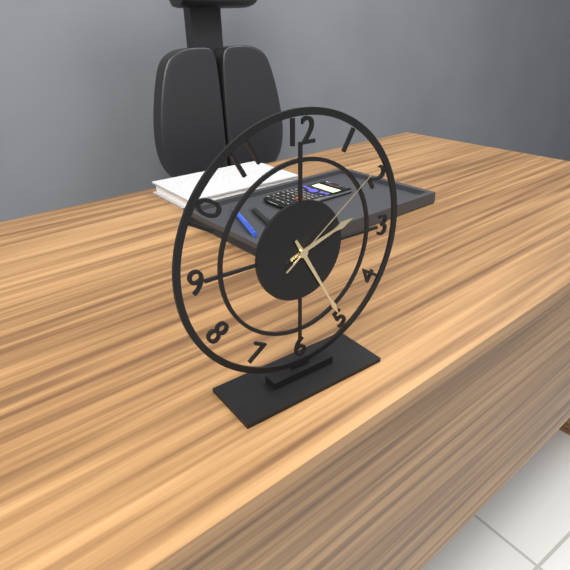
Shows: 2:25:09
